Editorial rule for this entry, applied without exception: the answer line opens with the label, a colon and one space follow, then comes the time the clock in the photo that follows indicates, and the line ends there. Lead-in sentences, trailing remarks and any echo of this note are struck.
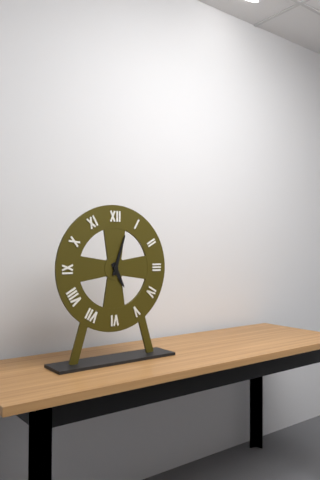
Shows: 5:03
